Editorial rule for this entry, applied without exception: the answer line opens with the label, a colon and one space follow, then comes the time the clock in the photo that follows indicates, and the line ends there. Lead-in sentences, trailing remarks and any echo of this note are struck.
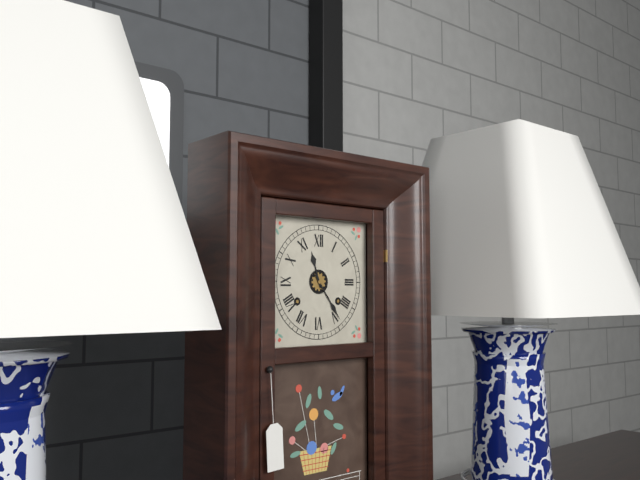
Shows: 11:24
